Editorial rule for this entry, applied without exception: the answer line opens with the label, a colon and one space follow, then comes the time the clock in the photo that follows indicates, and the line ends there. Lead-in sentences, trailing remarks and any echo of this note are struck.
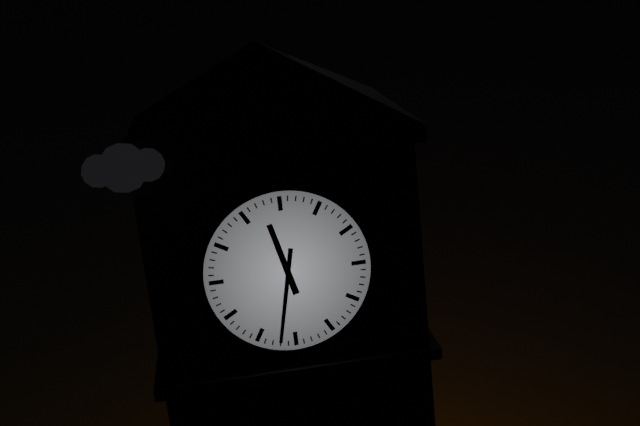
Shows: 11:32
